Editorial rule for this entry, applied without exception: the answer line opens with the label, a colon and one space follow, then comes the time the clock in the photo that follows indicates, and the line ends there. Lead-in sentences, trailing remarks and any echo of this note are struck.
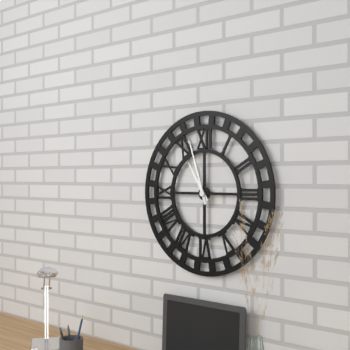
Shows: 10:57
